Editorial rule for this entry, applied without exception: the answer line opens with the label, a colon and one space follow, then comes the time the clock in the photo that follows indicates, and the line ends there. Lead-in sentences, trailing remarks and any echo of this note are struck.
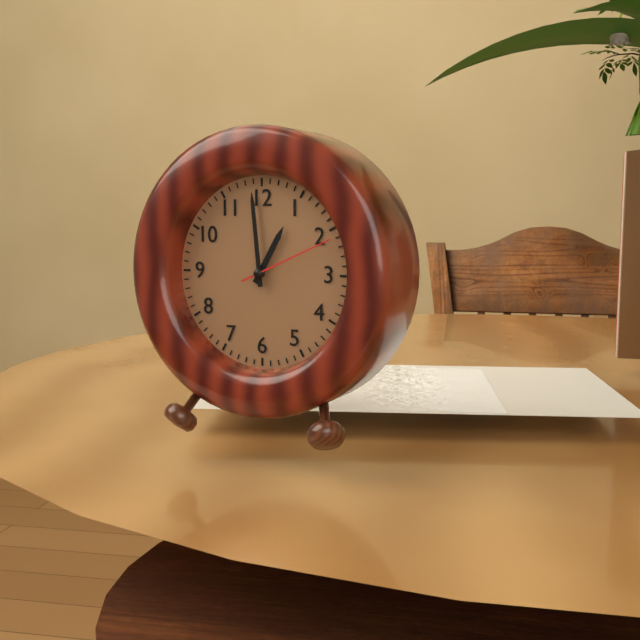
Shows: 12:59:11
